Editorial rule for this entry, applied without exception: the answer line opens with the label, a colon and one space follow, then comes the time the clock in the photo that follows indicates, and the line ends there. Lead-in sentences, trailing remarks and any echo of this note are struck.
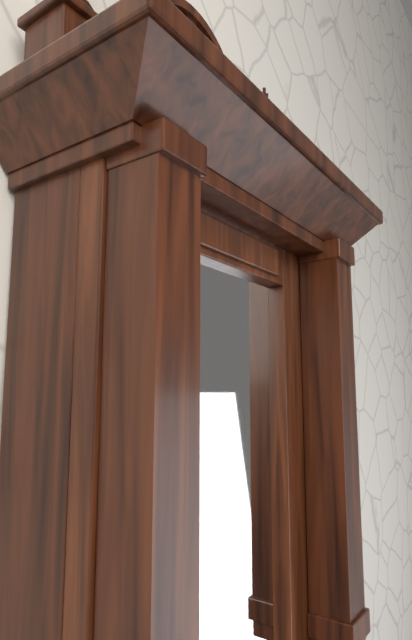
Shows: 4:06
